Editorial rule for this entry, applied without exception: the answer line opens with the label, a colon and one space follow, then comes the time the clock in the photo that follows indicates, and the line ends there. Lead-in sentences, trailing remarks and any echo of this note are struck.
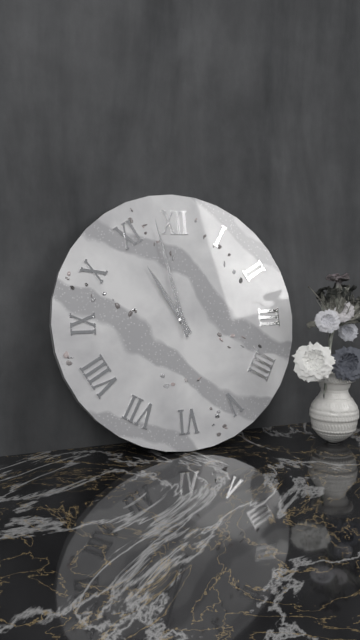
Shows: 10:58
